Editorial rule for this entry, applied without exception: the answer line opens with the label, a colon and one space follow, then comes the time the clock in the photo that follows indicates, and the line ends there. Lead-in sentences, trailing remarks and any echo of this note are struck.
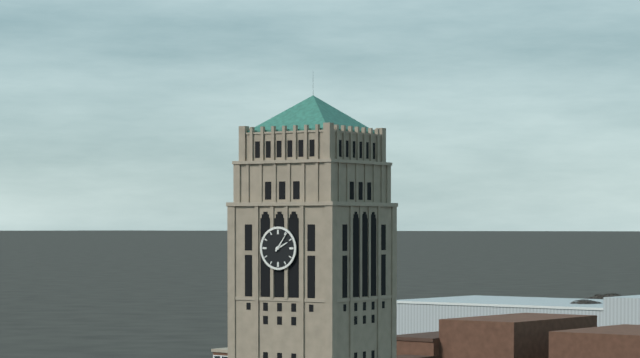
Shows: 2:06
